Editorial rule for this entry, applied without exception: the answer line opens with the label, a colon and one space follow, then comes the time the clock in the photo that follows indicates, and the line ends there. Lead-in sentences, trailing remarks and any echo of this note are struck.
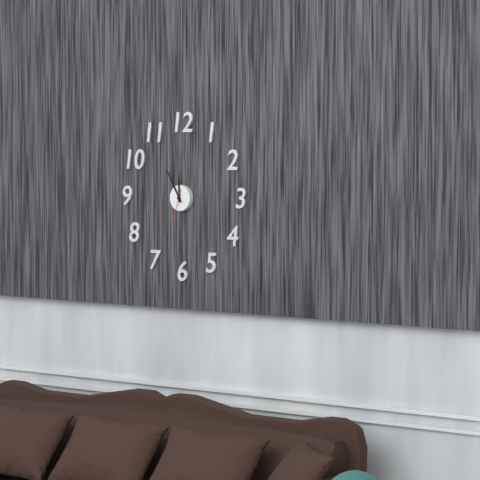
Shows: 11:55
